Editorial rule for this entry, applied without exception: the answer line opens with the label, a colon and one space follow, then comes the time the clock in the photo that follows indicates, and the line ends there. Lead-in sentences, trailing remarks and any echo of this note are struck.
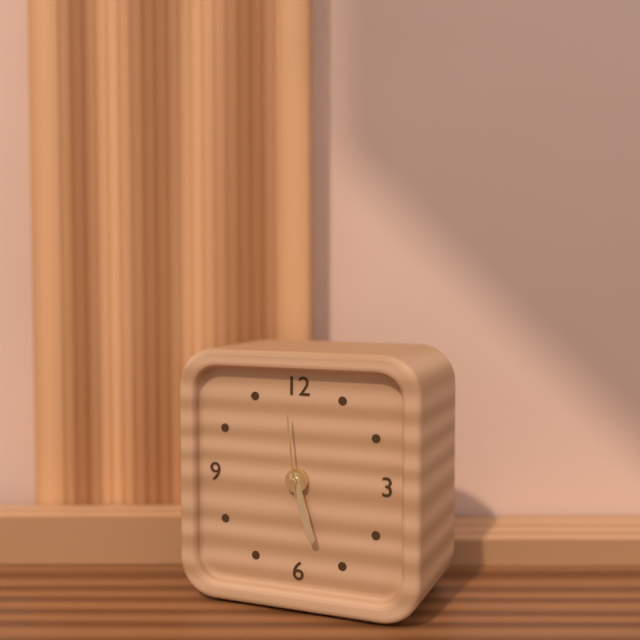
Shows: 5:27:59
